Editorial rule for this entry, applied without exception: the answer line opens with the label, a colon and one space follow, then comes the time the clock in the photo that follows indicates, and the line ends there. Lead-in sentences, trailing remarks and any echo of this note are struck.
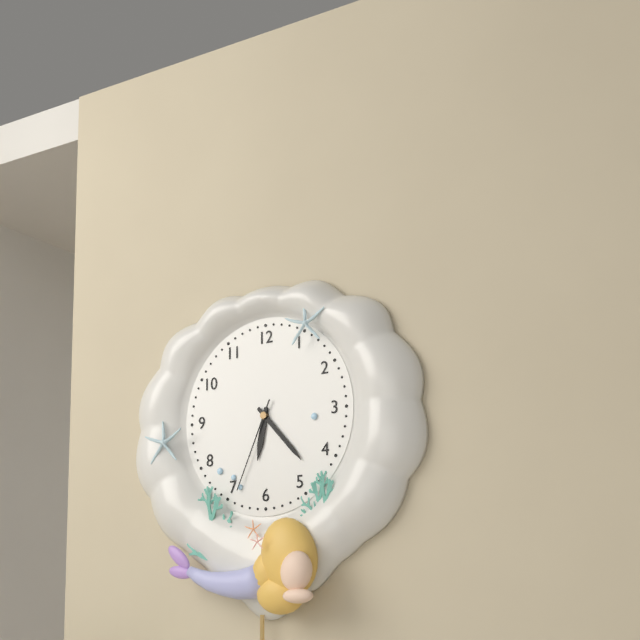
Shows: 6:23:34
